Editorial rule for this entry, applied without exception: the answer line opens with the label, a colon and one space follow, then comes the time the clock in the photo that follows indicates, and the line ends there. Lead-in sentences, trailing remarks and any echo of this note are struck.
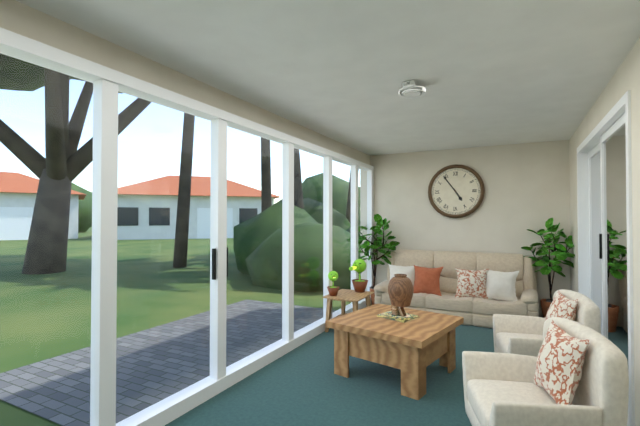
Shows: 4:54
